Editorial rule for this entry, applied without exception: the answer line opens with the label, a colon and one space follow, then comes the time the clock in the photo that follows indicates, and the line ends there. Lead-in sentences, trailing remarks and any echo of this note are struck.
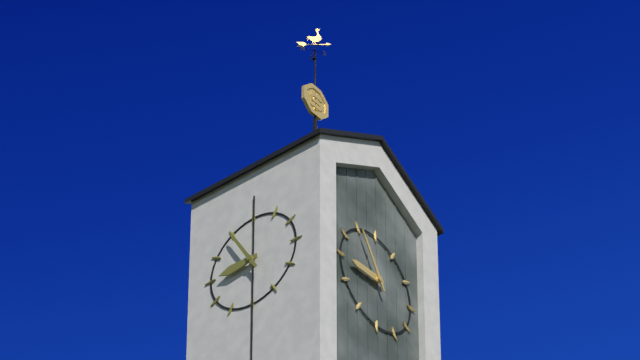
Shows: 8:55
